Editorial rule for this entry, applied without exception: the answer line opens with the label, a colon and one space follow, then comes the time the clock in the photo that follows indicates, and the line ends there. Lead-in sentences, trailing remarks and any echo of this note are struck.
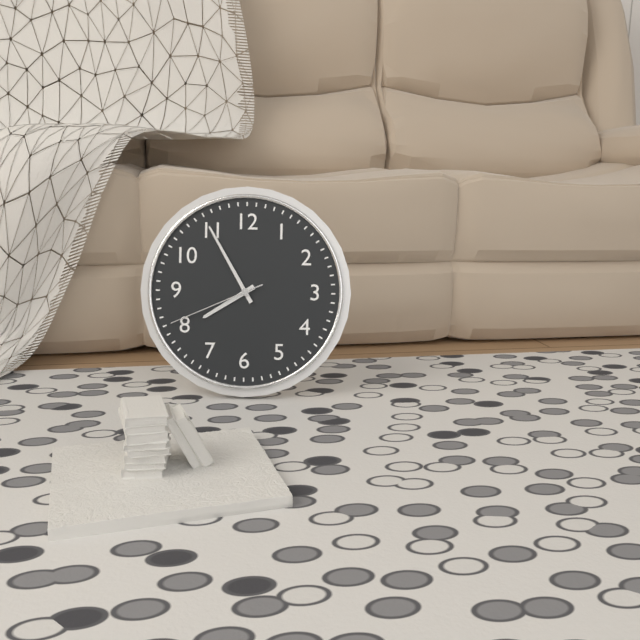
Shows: 7:55:41
